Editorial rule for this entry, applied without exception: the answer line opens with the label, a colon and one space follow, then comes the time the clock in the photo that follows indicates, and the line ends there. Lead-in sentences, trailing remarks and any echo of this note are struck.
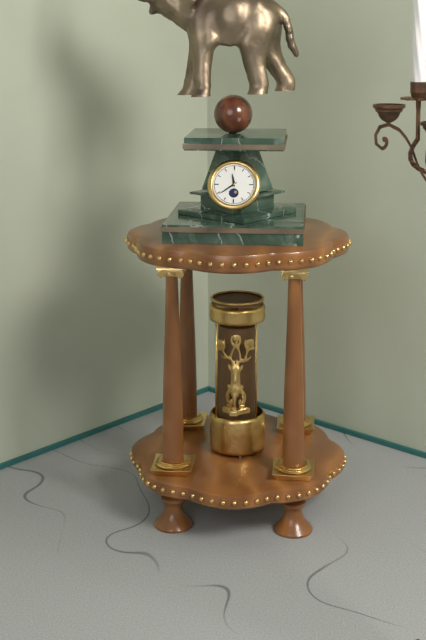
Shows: 11:39
